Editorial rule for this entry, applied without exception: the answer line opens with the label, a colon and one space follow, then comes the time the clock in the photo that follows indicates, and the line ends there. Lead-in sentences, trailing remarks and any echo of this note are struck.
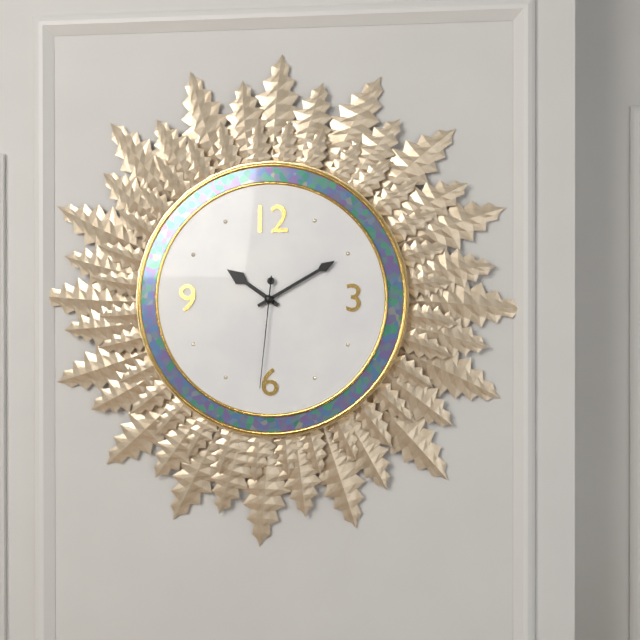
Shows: 10:10:31
